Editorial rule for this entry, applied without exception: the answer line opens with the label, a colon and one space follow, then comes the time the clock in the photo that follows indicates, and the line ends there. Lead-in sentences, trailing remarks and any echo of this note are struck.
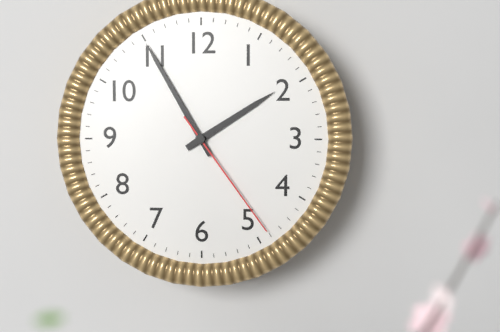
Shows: 1:55:24
